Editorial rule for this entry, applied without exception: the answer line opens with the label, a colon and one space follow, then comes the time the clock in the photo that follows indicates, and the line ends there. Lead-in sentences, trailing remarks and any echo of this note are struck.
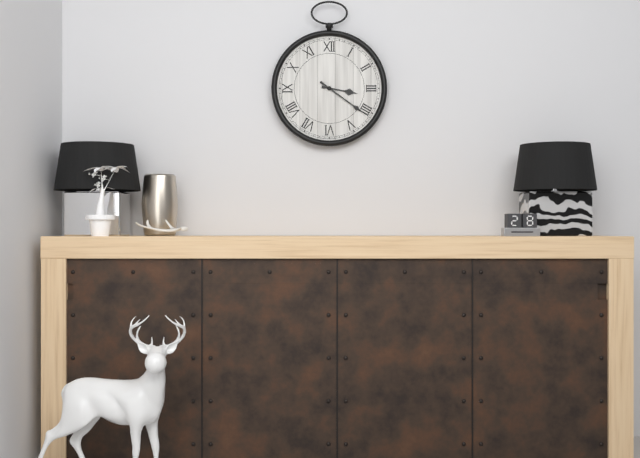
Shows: 3:21
